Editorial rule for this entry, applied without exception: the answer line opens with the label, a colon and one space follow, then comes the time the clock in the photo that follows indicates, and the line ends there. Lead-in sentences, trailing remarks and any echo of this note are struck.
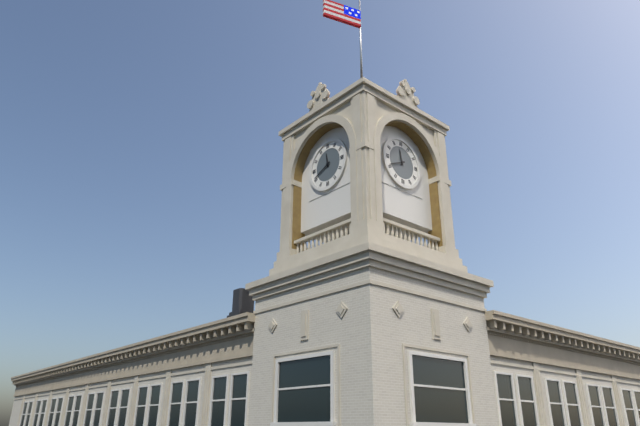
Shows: 11:41
